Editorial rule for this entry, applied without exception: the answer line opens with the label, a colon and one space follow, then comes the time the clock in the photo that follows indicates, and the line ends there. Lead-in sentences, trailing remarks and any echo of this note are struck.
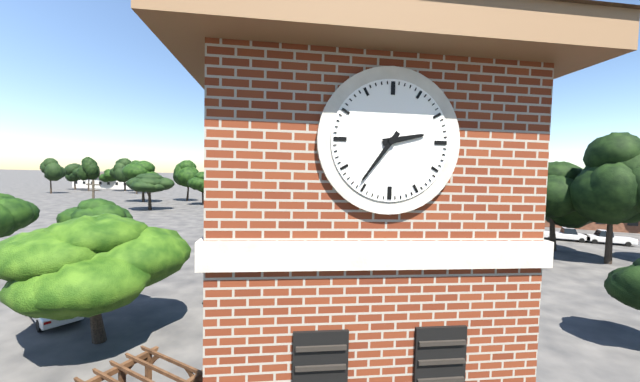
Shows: 2:36
